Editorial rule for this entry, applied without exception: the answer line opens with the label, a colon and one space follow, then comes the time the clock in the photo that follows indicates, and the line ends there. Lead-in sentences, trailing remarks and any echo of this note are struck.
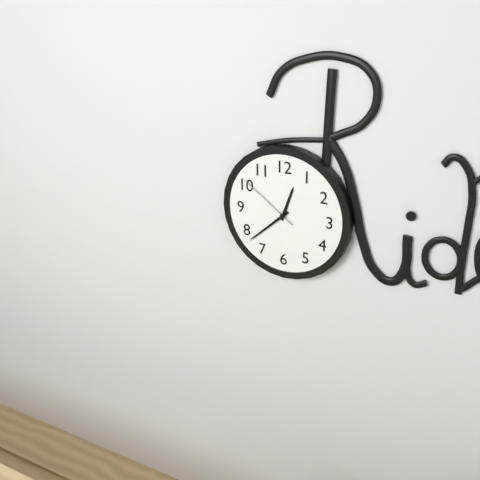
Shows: 12:38:51
